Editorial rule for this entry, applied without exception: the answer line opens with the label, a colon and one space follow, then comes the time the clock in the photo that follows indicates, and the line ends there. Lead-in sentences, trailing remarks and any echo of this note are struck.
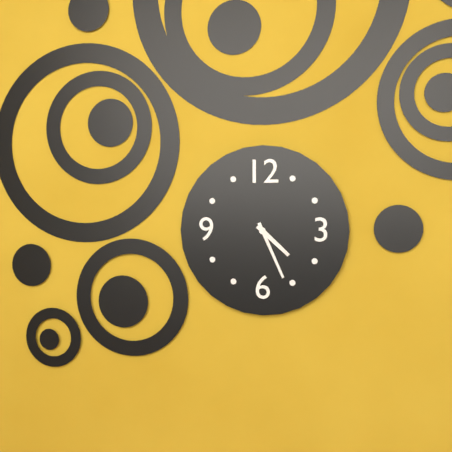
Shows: 4:26
